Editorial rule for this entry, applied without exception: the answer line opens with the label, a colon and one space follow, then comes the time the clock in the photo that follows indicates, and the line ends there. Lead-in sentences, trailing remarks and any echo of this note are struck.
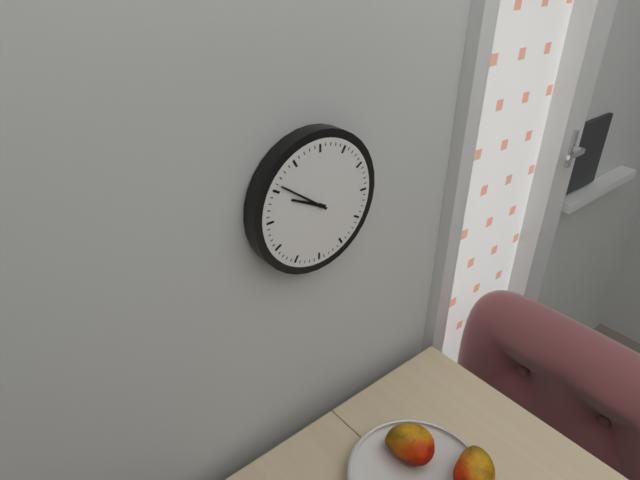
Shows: 9:51
